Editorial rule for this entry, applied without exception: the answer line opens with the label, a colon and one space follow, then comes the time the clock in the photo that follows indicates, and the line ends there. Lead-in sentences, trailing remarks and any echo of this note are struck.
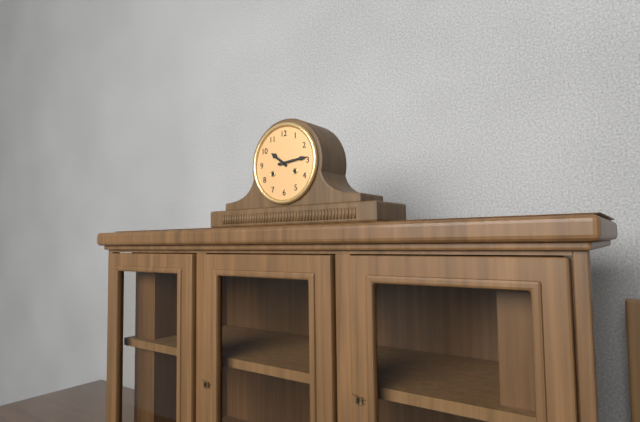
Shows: 10:14
